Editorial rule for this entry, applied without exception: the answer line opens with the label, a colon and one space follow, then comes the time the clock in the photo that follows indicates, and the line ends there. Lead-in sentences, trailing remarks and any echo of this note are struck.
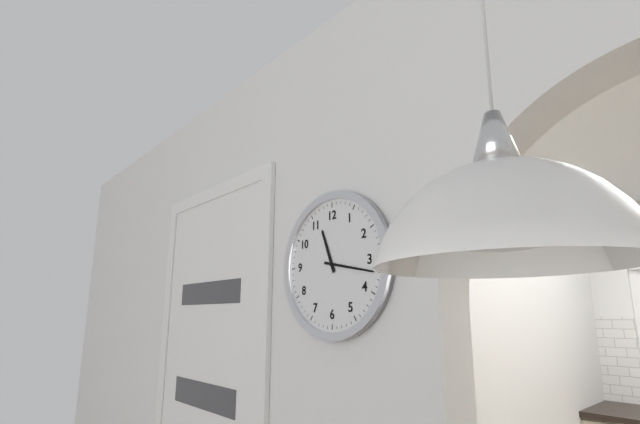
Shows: 11:17
